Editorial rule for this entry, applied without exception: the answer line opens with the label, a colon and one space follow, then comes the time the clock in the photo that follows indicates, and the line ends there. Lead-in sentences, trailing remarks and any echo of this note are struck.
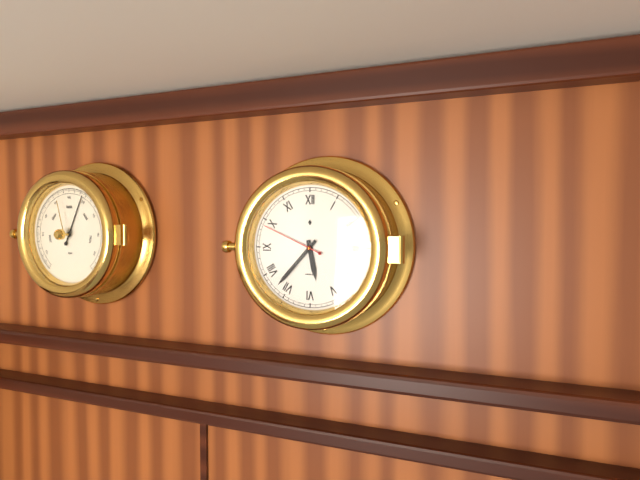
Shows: 5:37:49
